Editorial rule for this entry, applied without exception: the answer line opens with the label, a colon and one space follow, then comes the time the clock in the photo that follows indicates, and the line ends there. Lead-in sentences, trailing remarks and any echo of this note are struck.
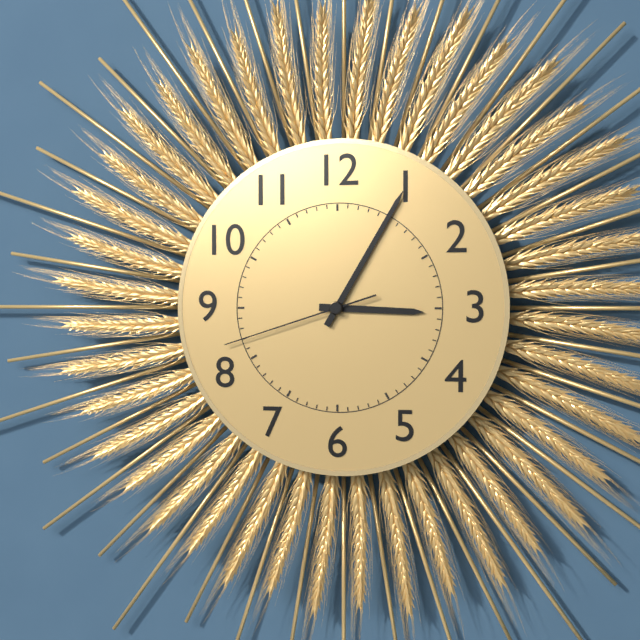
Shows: 3:05:42
